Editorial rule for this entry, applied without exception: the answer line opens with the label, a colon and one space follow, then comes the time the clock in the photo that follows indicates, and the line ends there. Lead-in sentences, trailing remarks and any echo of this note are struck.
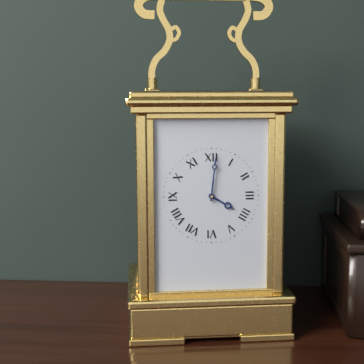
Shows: 4:01
